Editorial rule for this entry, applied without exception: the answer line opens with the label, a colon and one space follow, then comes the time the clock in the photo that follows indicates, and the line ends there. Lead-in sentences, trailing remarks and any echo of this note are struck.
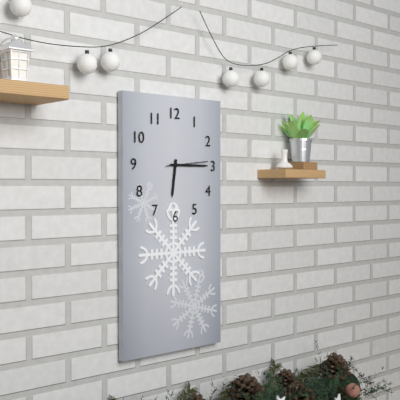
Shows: 6:15
